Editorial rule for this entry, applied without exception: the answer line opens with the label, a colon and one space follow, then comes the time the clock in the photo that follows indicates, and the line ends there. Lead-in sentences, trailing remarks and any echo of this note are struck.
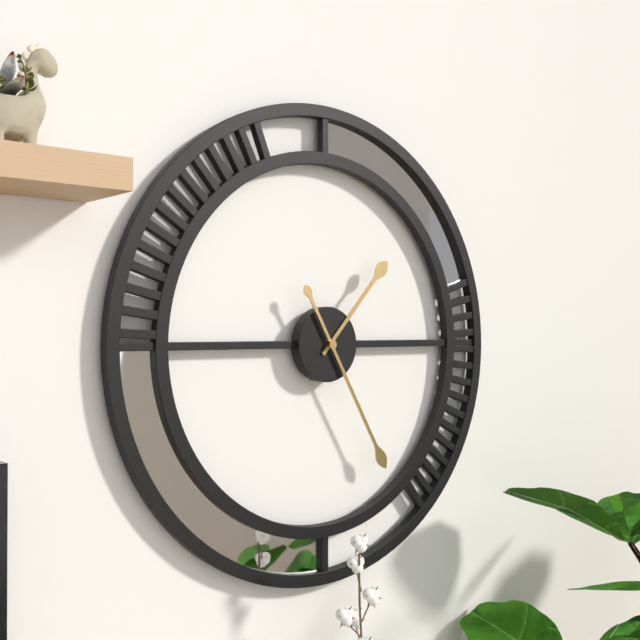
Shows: 1:25
